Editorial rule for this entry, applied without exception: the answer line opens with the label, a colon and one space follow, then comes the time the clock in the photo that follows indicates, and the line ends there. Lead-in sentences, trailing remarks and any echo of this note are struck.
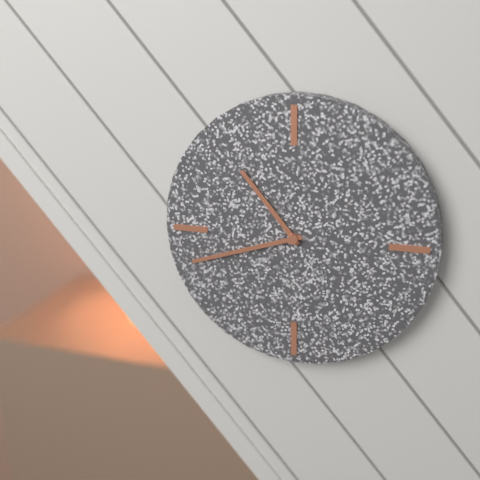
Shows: 10:42
